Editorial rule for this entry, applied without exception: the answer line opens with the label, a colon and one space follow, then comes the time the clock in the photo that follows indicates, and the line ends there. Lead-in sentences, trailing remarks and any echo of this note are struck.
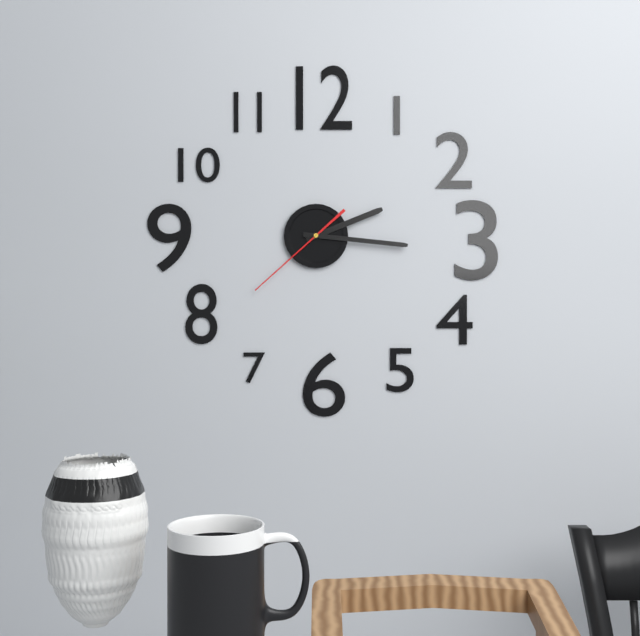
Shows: 2:16:38
